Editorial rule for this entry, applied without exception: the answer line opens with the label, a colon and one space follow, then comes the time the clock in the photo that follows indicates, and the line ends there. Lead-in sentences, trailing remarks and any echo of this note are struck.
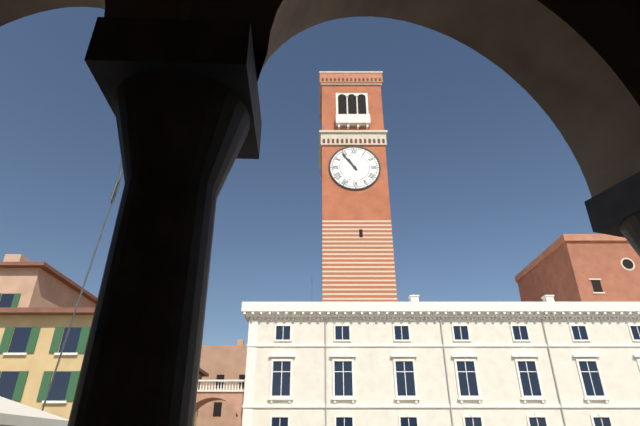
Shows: 10:54
